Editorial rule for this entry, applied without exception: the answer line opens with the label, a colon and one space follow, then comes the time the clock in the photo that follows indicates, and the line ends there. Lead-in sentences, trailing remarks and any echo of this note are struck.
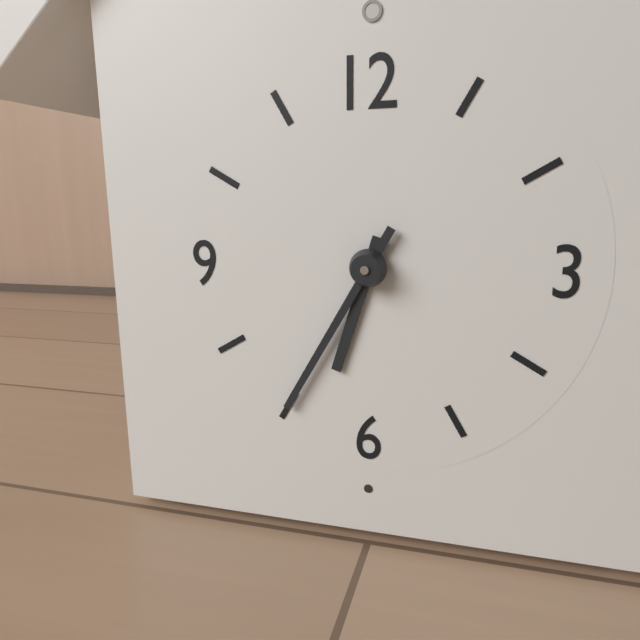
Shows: 6:35
